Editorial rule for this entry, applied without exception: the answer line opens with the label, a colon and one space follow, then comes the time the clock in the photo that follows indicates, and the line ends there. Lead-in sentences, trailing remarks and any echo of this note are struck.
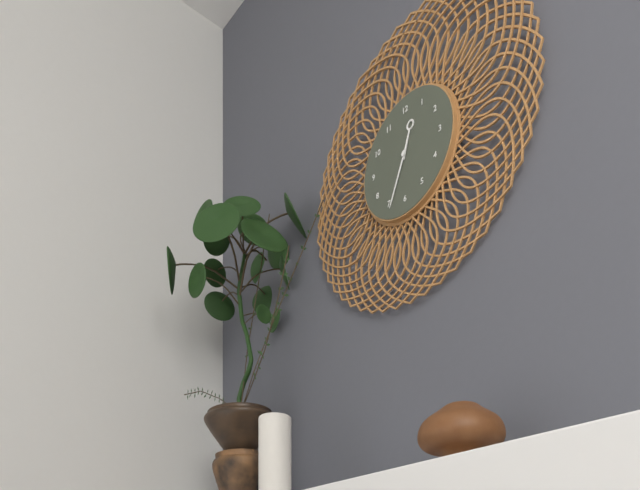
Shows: 12:34
